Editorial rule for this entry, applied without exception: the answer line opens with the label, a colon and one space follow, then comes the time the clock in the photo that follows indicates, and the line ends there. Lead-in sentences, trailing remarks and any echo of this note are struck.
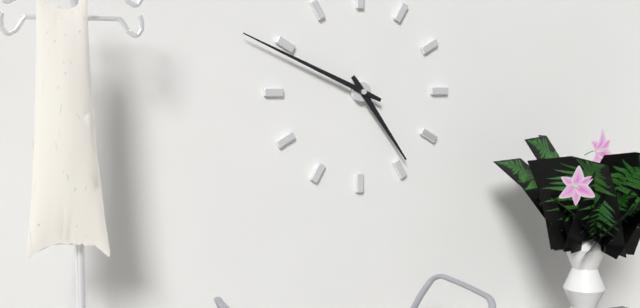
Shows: 4:49
